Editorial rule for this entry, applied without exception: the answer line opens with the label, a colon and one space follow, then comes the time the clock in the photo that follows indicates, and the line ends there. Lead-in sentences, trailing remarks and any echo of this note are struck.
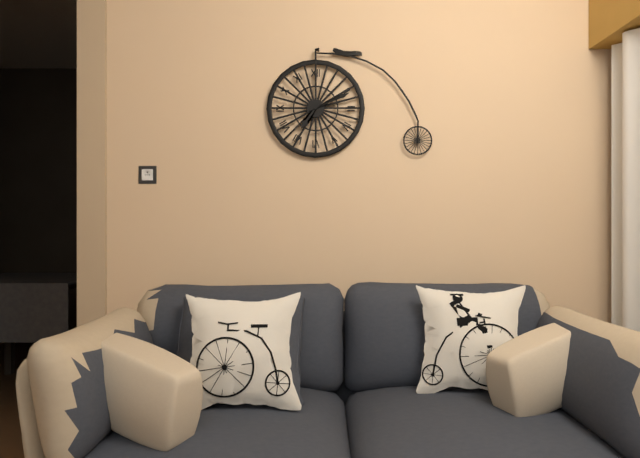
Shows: 7:11
